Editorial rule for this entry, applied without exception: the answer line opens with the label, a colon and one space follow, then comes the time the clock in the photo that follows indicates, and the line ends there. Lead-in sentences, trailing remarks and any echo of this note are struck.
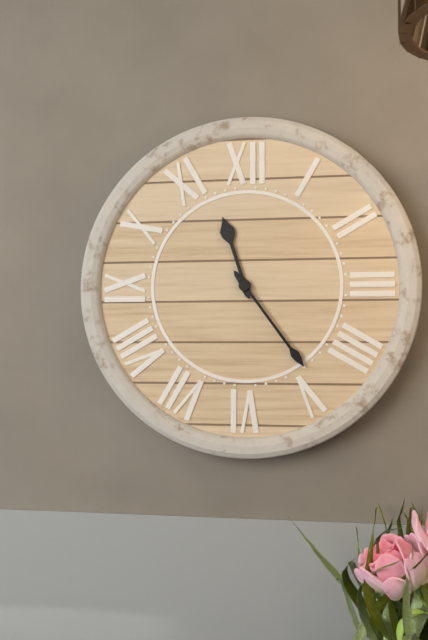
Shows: 11:24
